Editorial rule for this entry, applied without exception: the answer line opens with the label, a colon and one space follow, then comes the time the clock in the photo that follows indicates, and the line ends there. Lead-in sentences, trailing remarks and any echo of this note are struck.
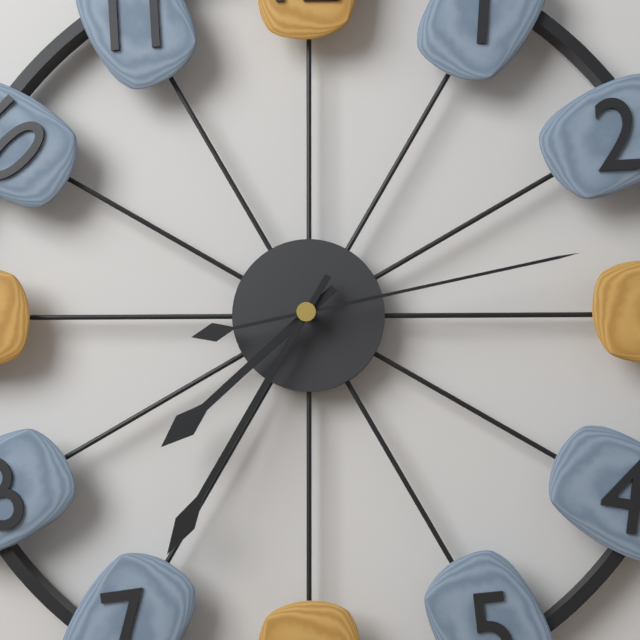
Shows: 7:35:13
